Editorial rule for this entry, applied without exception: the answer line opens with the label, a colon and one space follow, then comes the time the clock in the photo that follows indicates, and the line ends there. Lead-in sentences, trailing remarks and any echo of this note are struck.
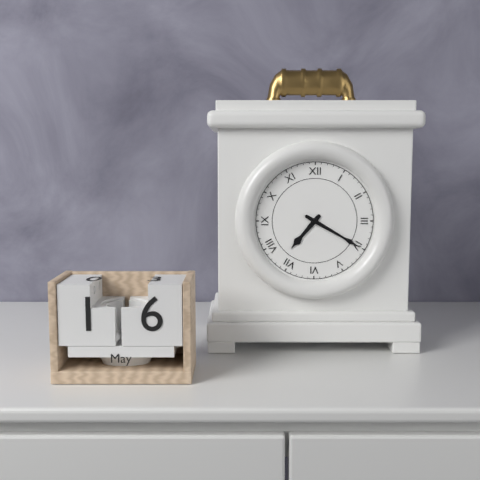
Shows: 7:20
